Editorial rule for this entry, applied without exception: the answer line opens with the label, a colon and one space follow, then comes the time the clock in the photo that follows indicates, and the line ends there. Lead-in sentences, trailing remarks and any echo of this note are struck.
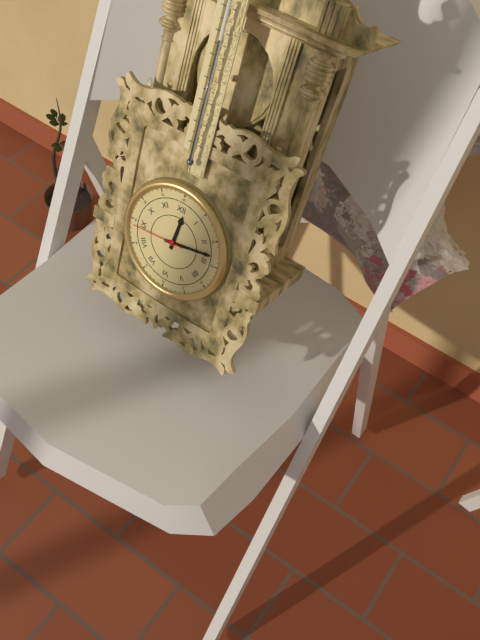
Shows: 12:13:44
